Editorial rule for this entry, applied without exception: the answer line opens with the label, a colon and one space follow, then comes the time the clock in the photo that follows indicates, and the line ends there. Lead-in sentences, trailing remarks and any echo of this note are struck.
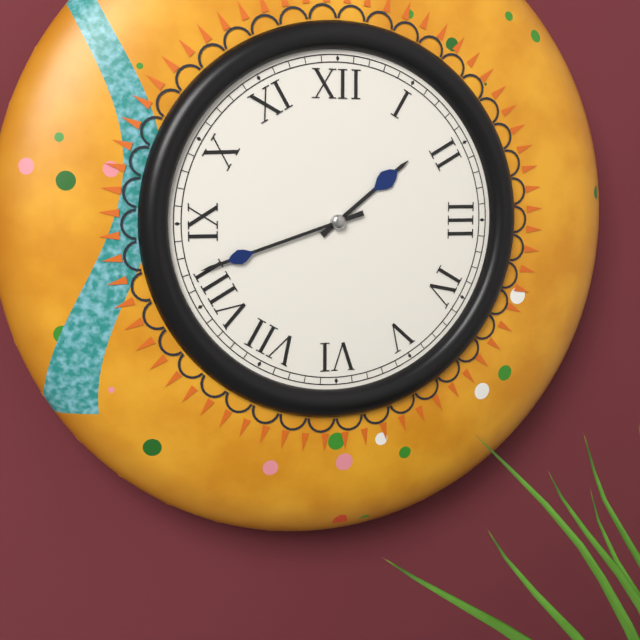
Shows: 1:42
